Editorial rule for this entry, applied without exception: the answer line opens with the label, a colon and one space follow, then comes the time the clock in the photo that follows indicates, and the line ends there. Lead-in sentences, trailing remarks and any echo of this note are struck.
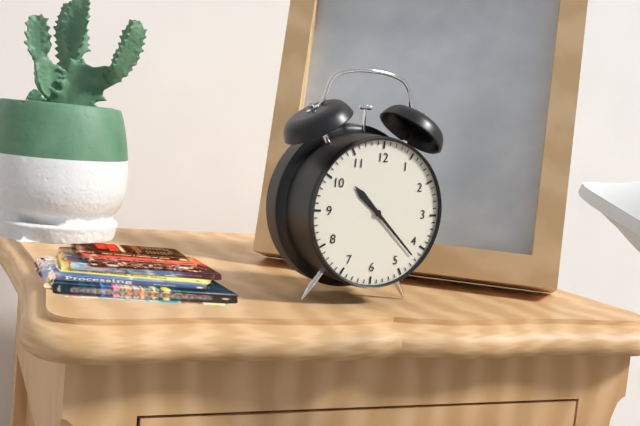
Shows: 10:22
